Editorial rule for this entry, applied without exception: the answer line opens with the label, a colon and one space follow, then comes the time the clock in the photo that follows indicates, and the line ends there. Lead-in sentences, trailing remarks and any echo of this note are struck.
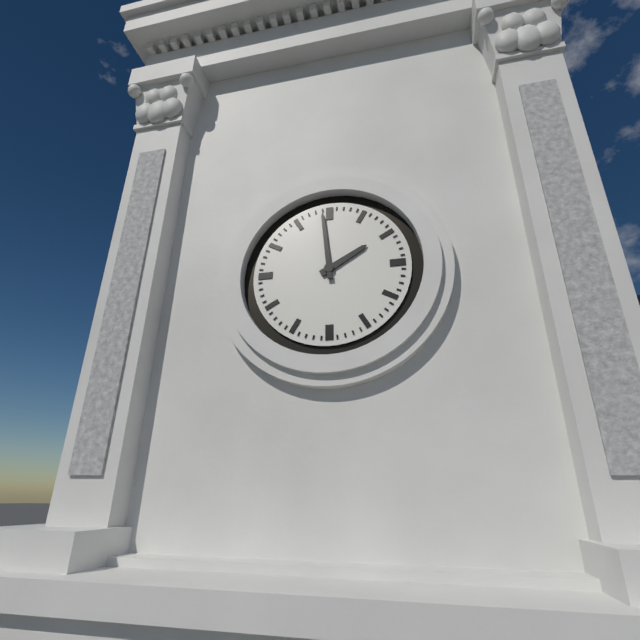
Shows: 1:59
